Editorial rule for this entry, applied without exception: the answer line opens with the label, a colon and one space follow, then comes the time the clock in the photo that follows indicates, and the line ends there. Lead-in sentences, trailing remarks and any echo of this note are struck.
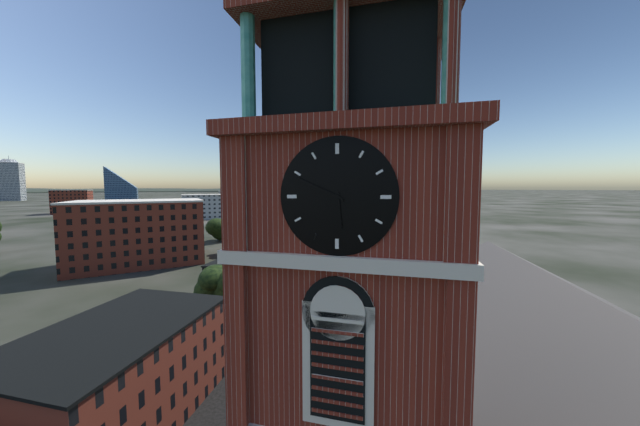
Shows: 5:49
